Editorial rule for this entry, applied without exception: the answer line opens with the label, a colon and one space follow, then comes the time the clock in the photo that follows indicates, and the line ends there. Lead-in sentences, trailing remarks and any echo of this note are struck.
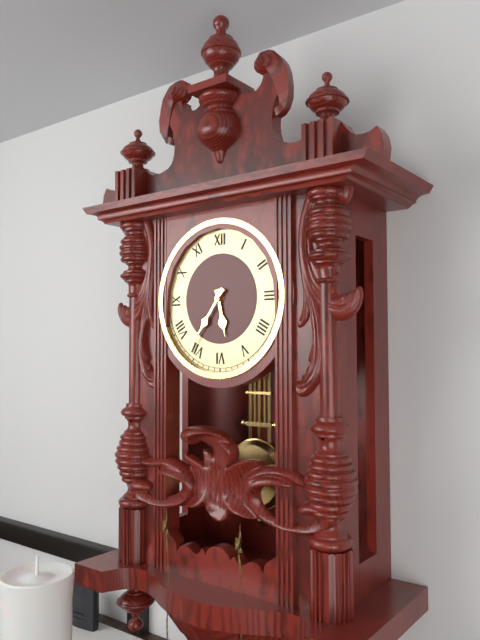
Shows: 5:36
